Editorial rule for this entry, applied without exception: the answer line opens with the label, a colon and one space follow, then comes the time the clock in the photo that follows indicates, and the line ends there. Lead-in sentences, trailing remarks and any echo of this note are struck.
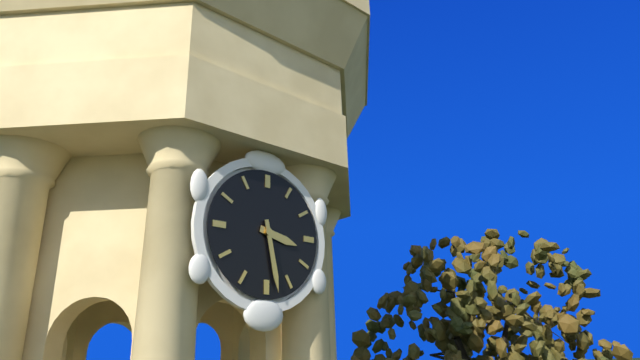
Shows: 3:28
